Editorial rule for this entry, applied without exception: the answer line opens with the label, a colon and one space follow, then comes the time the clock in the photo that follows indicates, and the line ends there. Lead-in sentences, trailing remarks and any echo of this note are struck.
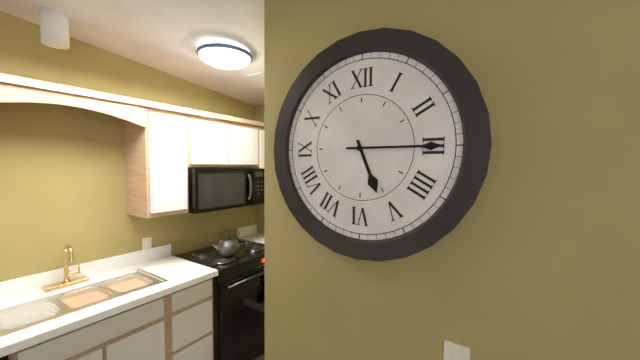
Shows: 5:15
